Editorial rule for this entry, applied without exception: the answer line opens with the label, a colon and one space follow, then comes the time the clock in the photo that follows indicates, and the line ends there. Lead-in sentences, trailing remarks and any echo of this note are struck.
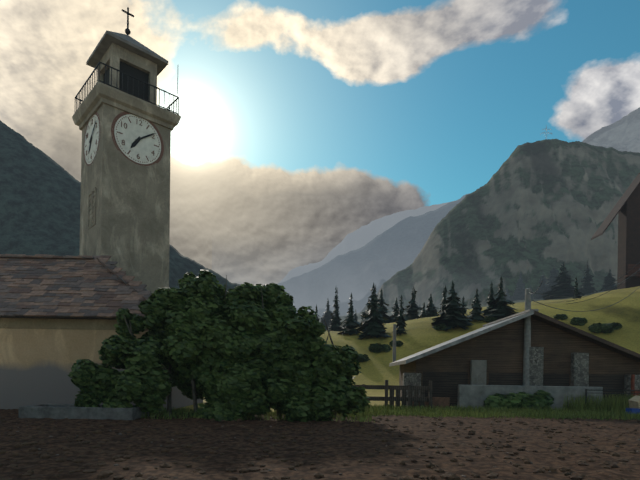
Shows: 7:09
